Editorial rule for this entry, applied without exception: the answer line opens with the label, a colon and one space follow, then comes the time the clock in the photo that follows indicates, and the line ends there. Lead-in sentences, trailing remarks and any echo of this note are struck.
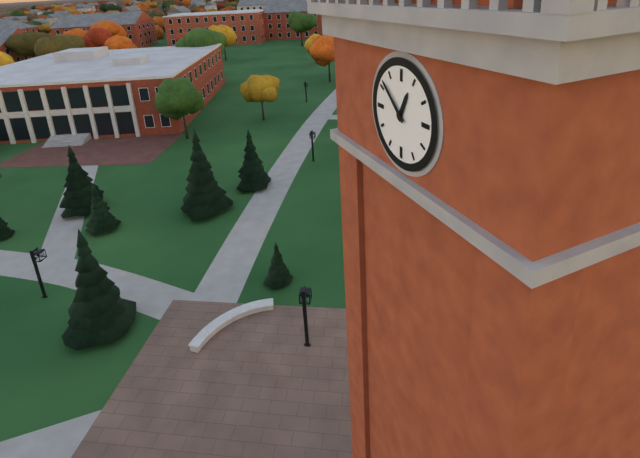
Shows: 12:52
